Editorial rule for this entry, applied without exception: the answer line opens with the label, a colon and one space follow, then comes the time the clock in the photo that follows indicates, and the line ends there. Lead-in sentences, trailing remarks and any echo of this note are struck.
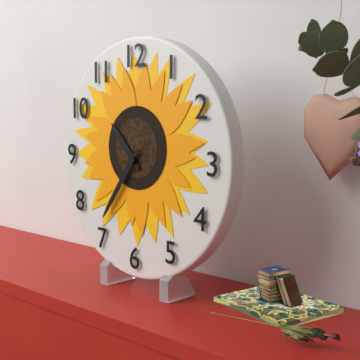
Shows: 10:36
